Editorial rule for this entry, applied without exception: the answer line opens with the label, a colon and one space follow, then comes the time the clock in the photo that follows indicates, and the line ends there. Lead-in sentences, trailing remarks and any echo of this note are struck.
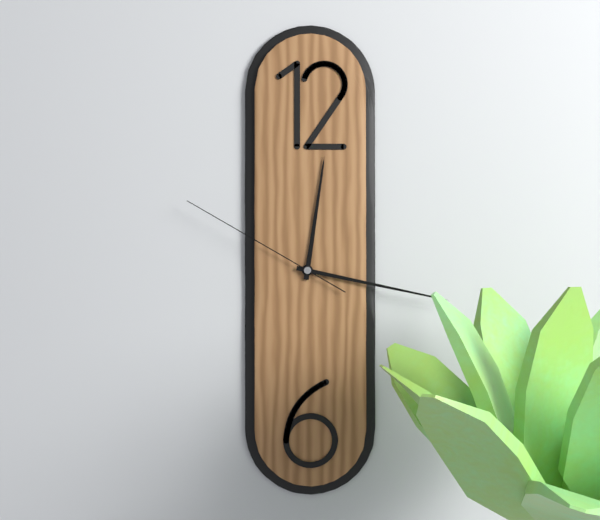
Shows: 12:17:50
